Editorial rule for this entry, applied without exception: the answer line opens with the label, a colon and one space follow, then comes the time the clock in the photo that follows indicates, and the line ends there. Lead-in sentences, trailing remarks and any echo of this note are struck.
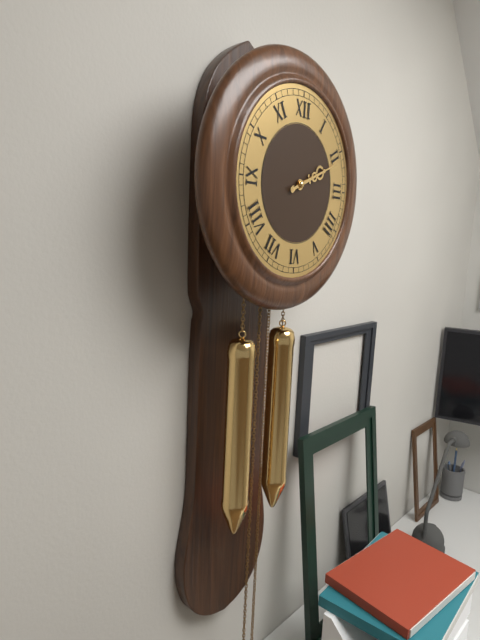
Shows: 2:11
